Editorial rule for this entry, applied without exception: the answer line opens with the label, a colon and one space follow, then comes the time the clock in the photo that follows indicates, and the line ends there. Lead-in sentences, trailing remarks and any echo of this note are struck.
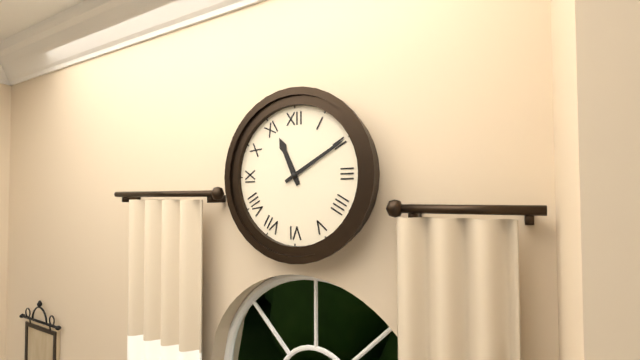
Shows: 11:10
